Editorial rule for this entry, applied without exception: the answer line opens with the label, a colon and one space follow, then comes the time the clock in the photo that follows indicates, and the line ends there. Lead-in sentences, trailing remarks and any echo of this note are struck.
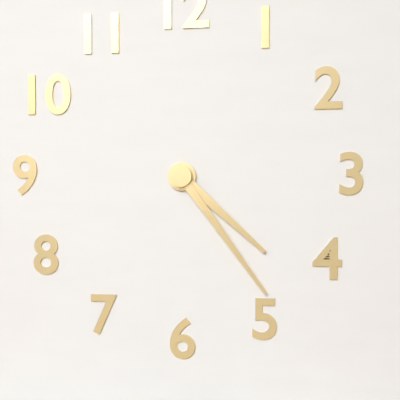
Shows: 4:24
